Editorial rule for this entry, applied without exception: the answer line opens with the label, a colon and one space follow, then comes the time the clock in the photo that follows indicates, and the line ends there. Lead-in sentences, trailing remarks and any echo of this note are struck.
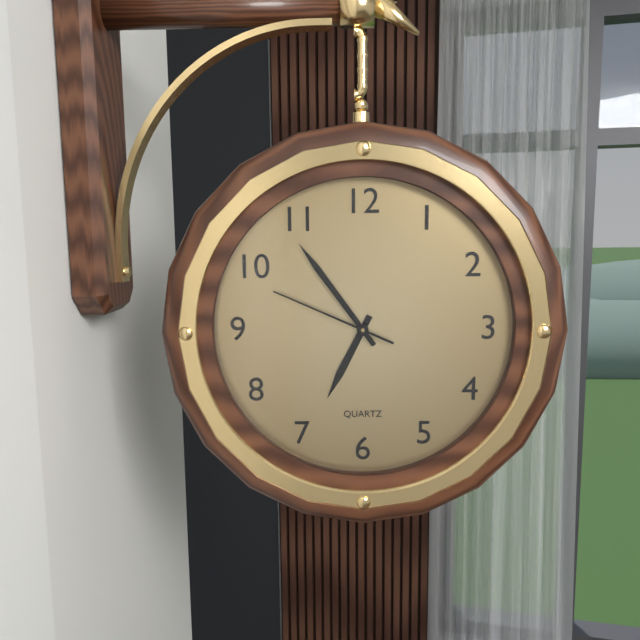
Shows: 6:54:49
